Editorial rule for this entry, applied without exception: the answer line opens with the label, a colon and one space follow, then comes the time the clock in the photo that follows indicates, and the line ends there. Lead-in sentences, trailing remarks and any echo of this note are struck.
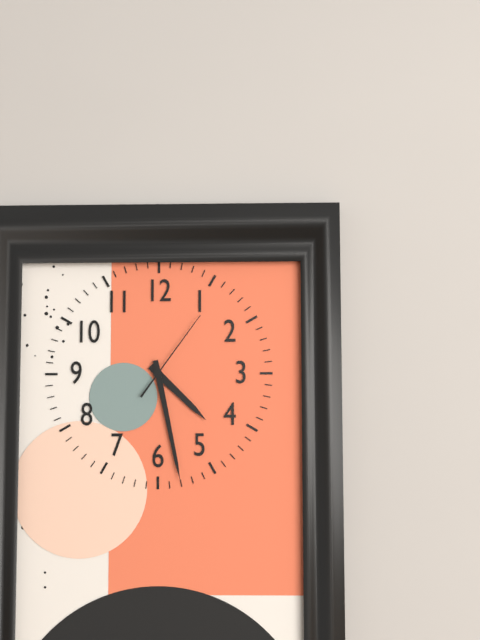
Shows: 4:28:06
